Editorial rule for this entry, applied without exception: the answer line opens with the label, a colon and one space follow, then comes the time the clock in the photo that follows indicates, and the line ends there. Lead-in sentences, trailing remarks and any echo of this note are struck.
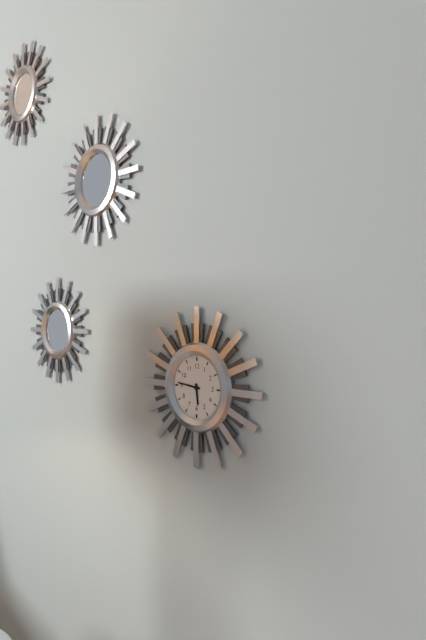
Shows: 5:46
